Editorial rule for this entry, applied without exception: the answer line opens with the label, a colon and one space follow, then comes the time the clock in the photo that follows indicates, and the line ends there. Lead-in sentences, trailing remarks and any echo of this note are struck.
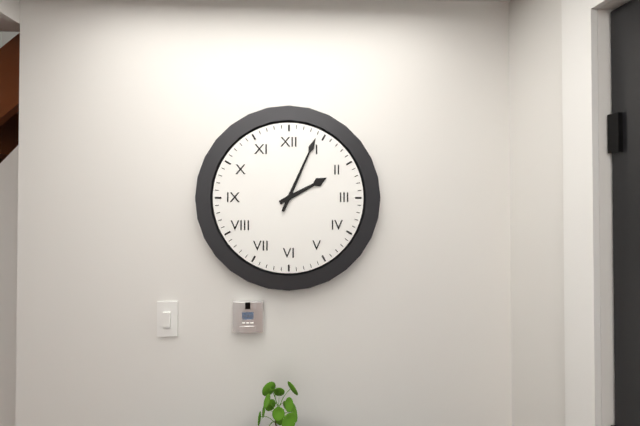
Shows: 2:04
